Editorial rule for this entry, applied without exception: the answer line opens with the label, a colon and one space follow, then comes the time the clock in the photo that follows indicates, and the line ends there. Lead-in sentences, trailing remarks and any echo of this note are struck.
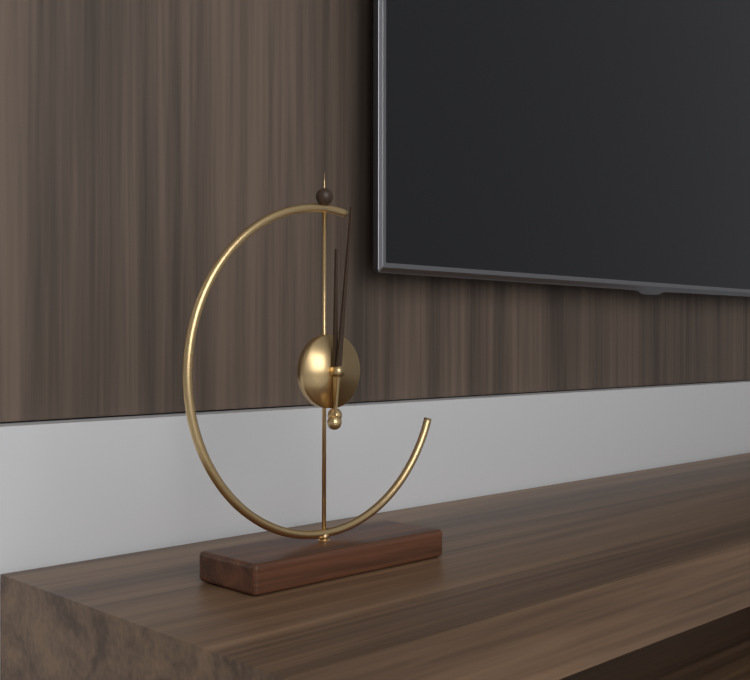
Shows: 12:01
